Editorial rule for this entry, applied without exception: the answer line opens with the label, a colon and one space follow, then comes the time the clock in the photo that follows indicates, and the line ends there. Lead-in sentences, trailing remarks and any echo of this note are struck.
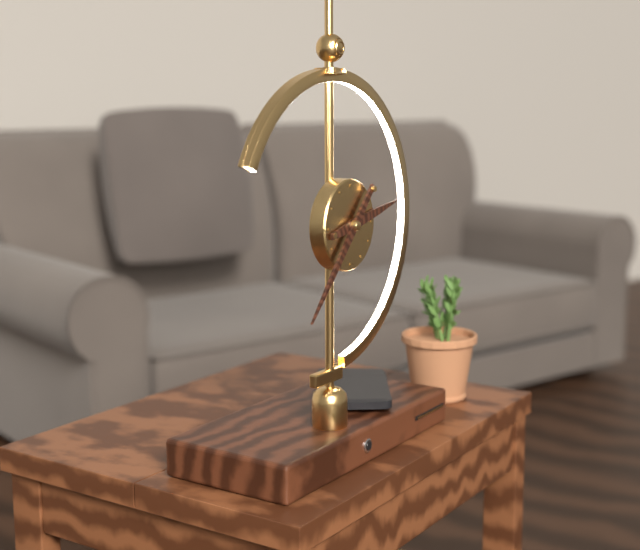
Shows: 2:37
